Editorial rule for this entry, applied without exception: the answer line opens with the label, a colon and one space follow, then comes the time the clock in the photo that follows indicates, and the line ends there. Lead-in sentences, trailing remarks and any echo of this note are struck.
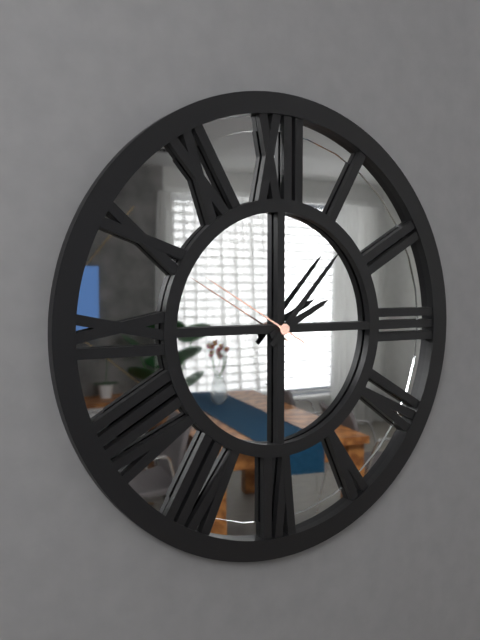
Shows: 2:07:50
